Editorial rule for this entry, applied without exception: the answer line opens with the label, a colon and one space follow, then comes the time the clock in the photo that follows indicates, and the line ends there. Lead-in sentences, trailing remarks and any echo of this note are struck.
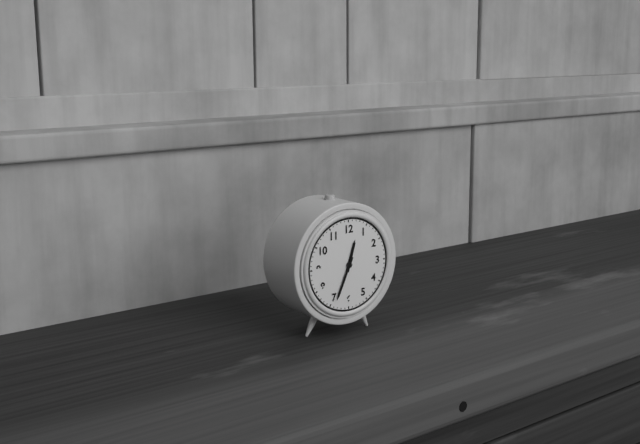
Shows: 12:34
